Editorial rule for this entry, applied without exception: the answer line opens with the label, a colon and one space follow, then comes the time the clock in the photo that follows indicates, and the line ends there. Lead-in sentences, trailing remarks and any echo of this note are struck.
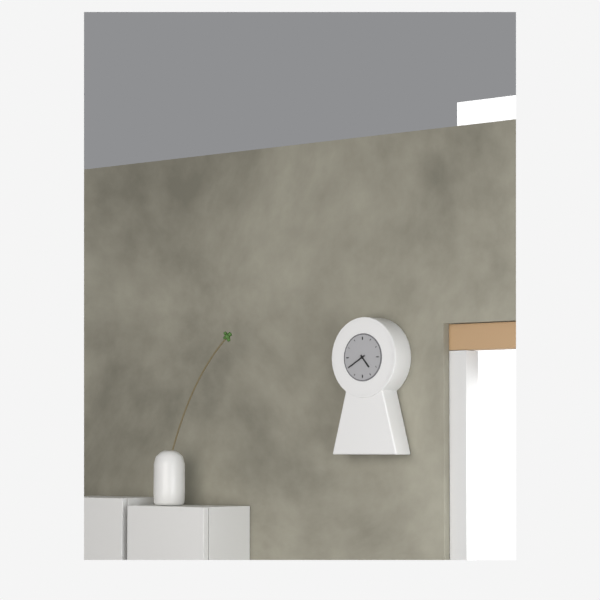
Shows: 4:40
